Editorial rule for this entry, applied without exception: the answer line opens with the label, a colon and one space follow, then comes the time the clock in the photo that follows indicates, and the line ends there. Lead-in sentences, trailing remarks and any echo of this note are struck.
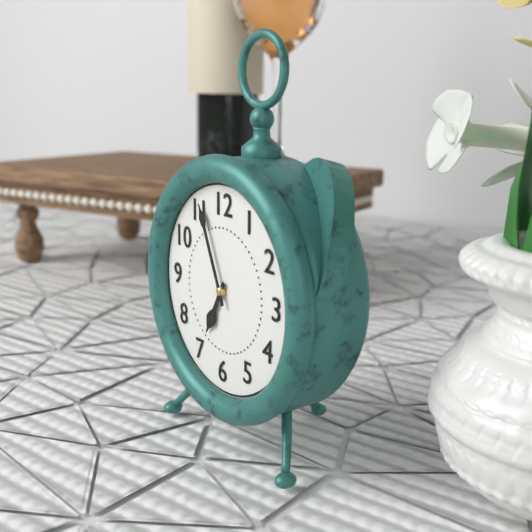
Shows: 6:56
